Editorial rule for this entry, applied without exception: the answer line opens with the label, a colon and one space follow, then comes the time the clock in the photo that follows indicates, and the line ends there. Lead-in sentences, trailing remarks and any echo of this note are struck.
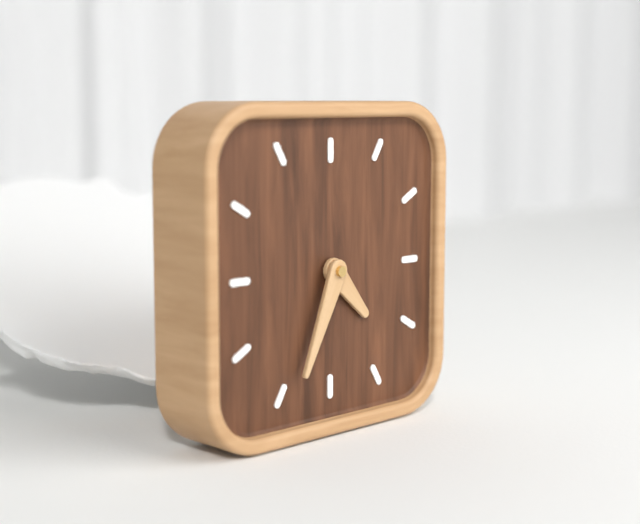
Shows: 4:34
